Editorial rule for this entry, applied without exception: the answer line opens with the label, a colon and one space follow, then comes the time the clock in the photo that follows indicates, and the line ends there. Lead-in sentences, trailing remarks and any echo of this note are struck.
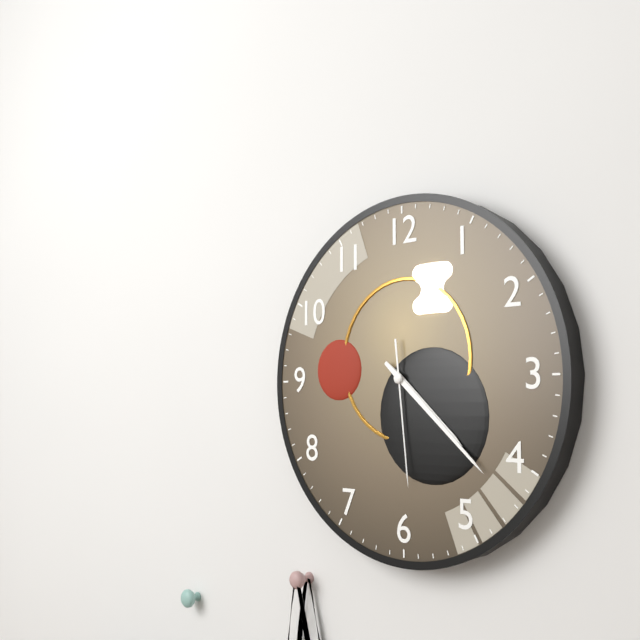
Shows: 4:22:29
